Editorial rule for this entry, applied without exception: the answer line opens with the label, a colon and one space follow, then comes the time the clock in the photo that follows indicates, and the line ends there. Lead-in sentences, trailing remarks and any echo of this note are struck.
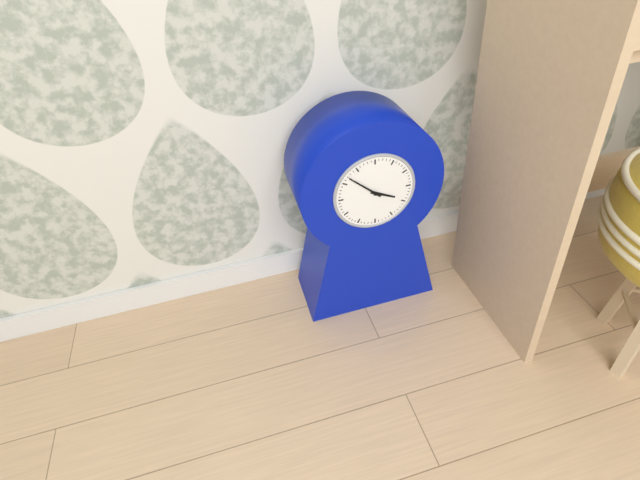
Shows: 3:52
